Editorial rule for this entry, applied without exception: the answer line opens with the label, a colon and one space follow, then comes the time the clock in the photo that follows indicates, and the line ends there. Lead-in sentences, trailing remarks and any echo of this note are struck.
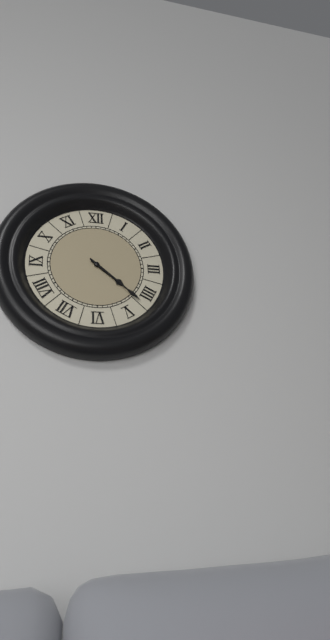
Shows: 4:22
